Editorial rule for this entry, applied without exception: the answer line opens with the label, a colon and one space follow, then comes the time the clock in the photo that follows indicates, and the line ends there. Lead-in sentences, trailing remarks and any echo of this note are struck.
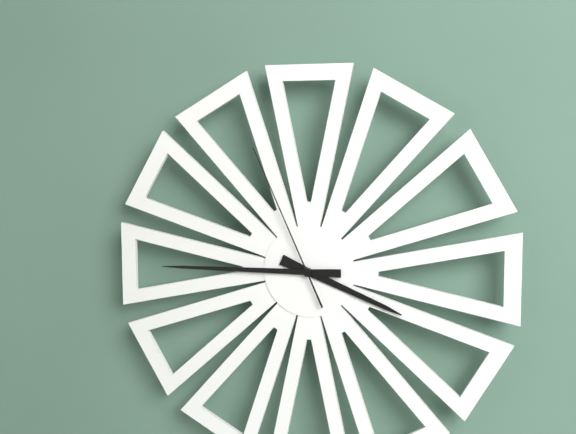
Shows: 3:45:56
